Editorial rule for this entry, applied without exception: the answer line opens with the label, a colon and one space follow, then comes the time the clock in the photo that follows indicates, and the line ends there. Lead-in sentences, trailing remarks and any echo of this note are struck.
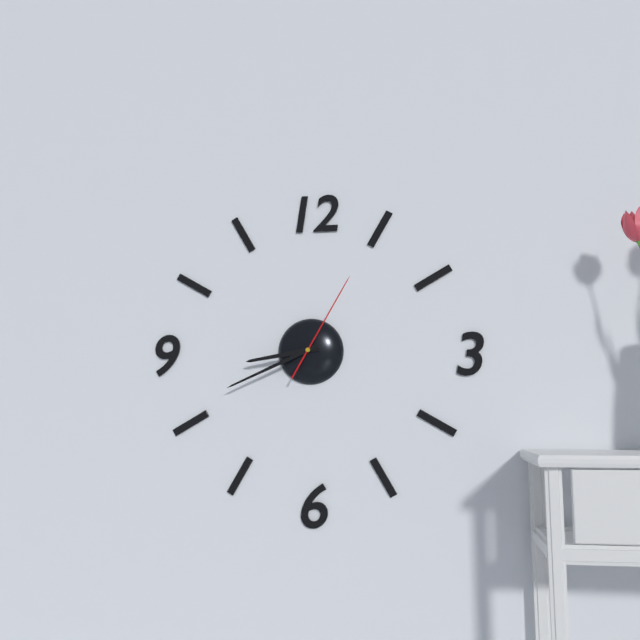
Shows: 8:41:05
